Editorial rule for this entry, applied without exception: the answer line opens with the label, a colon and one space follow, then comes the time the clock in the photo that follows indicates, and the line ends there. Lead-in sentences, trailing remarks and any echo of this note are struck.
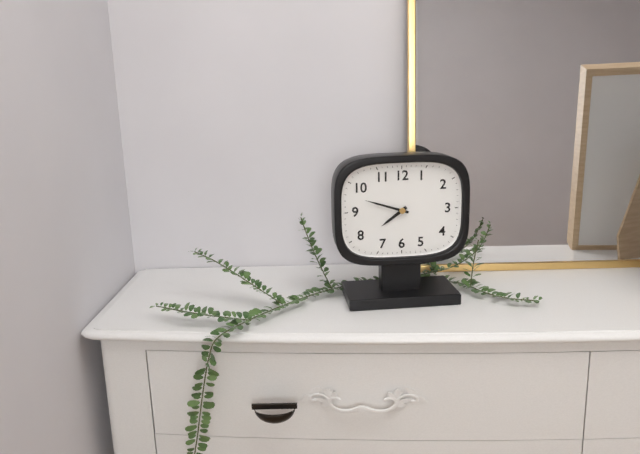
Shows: 7:48
